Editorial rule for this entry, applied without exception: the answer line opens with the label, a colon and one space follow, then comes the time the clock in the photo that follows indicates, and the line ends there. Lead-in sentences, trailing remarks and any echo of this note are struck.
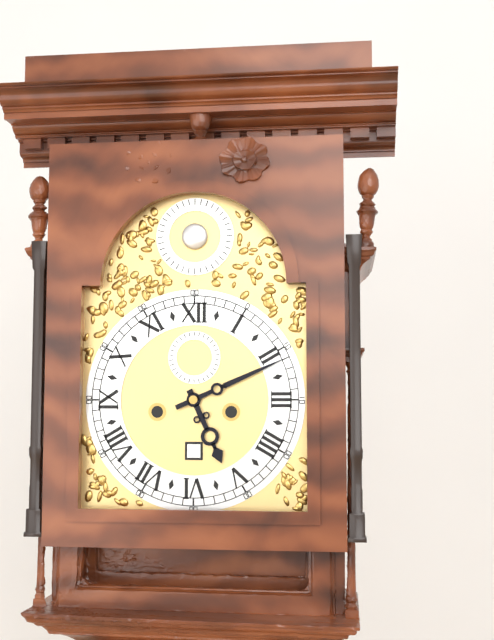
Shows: 5:11
